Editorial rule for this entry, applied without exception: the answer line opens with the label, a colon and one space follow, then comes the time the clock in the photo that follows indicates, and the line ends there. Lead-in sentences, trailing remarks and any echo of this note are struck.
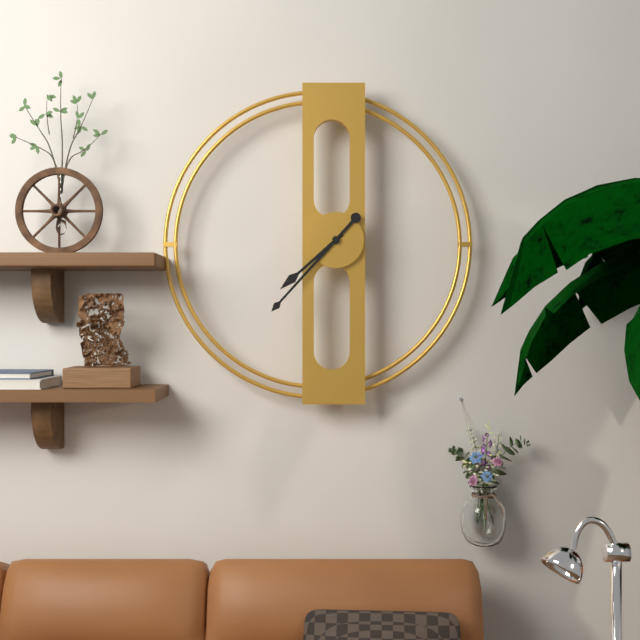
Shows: 7:37
